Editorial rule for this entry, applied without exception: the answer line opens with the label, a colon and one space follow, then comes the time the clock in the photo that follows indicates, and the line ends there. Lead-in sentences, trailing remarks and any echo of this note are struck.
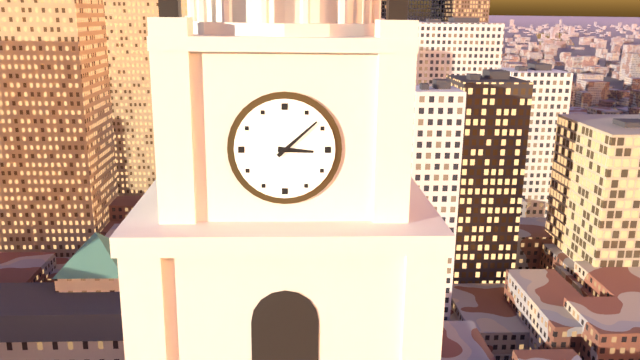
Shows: 3:08
